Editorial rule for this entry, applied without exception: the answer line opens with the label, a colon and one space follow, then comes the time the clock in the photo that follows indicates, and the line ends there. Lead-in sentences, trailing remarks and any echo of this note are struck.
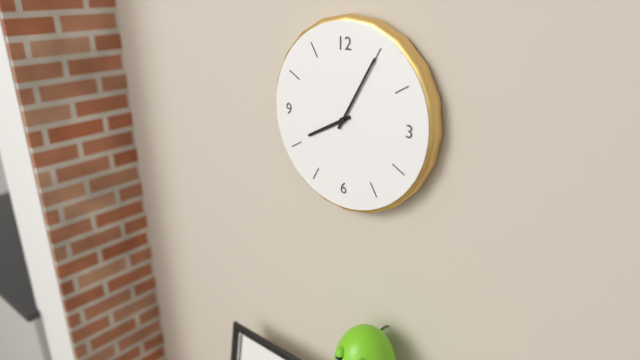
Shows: 8:05
